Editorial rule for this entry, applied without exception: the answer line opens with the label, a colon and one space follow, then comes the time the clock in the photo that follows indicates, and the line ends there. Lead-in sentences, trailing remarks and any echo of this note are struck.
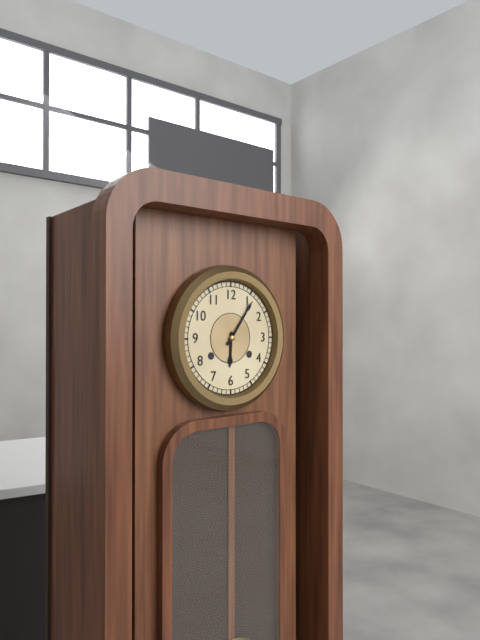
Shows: 6:06
